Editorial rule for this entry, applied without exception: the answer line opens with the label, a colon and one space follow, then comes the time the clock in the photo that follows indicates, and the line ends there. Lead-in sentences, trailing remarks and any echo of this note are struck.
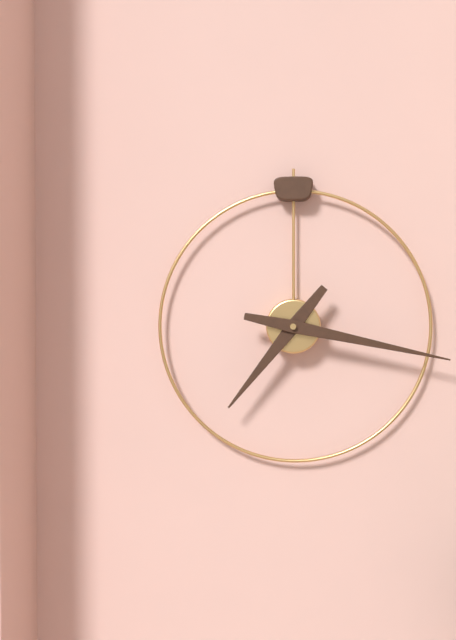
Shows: 7:17
